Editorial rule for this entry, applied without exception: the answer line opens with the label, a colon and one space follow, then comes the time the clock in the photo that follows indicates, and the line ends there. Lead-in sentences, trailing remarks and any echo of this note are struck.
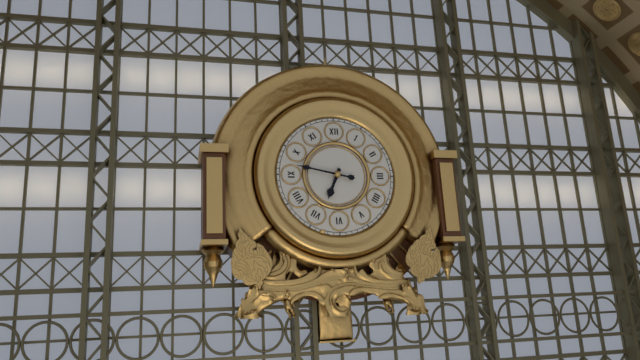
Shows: 6:47
